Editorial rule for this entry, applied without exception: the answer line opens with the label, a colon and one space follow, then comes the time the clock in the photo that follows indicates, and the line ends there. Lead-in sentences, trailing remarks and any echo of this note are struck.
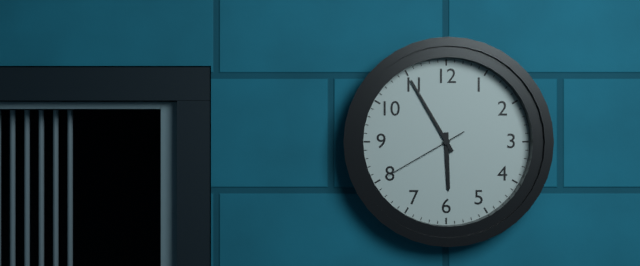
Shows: 5:55:40
